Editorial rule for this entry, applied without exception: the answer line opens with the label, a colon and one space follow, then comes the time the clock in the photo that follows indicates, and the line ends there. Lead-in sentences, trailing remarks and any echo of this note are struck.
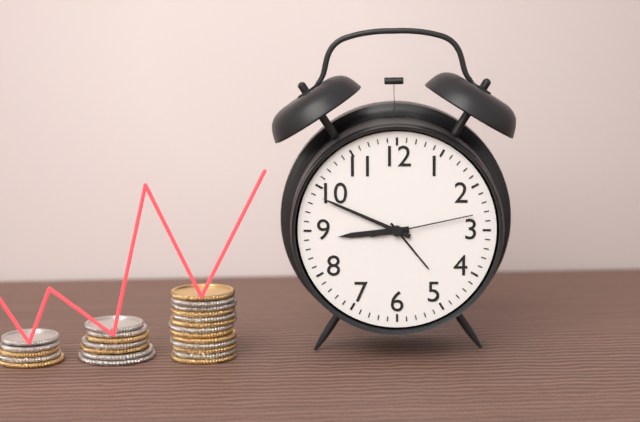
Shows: 8:49:13
